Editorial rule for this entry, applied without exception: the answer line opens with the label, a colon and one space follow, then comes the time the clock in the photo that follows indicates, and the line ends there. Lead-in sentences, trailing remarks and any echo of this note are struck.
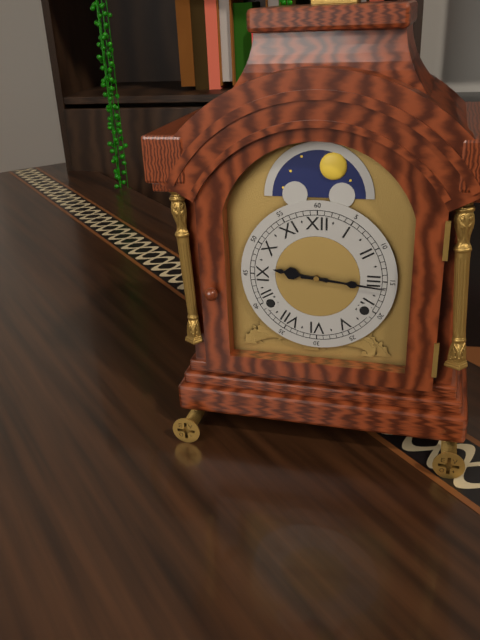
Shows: 9:16
